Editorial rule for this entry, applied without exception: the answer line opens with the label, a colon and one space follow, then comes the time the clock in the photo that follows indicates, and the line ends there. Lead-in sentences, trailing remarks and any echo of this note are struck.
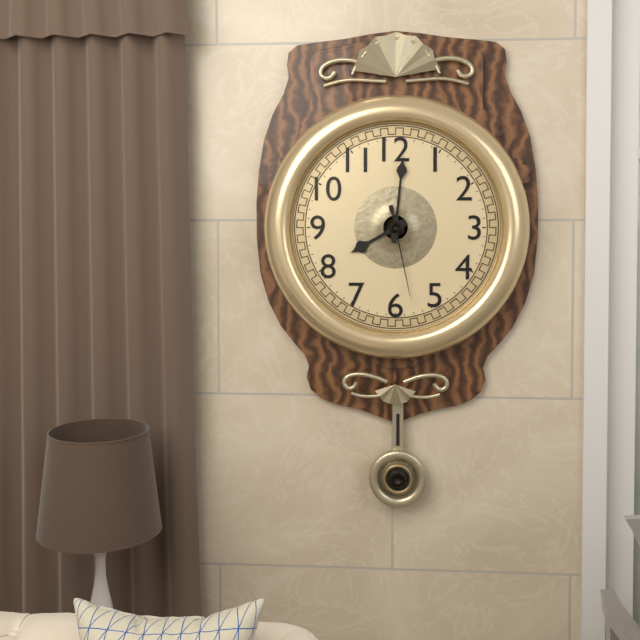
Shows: 8:01:28
